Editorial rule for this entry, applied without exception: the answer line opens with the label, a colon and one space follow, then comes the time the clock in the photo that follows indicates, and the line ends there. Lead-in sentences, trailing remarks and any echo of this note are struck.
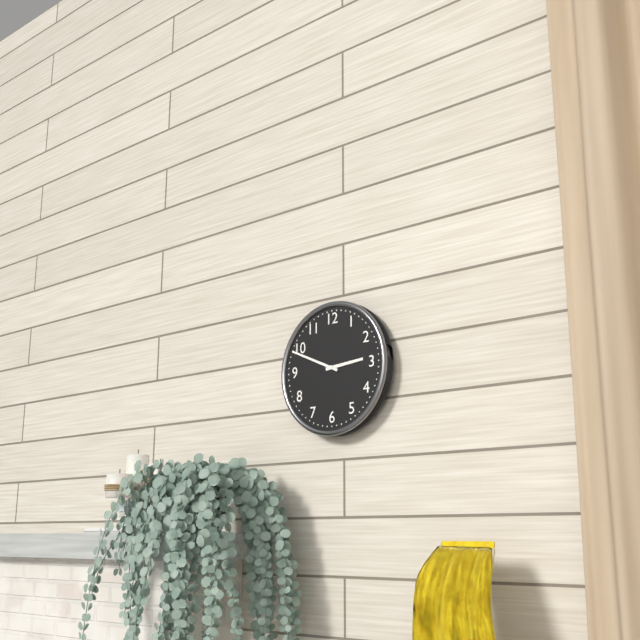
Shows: 2:49
